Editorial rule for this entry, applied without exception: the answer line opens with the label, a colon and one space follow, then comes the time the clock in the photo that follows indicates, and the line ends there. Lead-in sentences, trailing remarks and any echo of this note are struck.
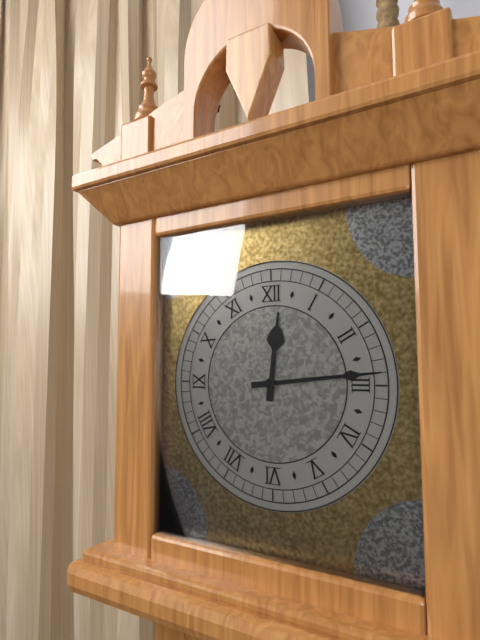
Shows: 12:14
